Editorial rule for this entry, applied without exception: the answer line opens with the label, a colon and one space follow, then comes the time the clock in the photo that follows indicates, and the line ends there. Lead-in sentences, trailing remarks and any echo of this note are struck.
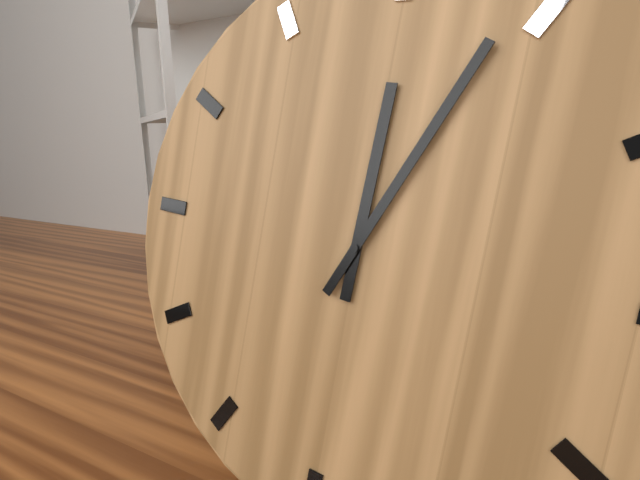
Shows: 12:04
